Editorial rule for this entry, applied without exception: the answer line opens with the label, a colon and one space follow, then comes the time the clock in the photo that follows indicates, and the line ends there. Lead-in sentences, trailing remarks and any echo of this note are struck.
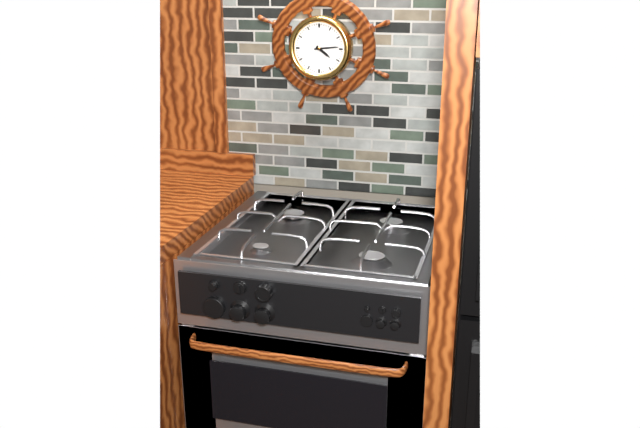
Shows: 4:14
